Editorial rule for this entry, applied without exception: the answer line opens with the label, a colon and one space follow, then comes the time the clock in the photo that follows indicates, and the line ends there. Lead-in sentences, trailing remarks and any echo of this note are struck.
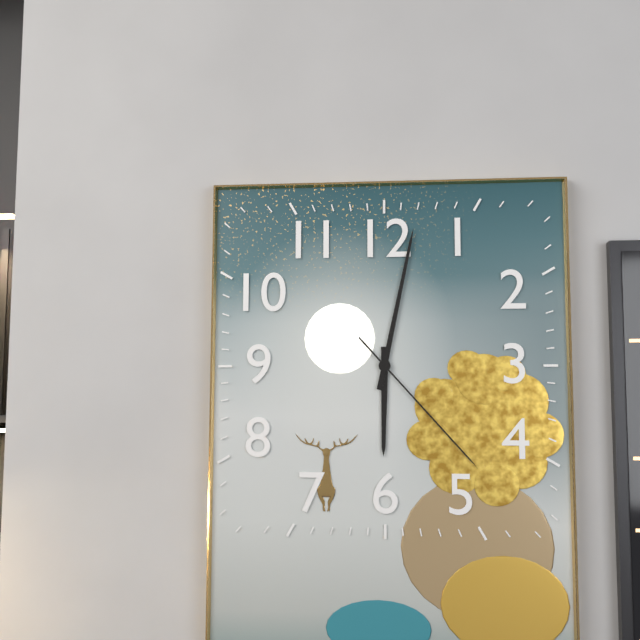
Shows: 6:02:23
